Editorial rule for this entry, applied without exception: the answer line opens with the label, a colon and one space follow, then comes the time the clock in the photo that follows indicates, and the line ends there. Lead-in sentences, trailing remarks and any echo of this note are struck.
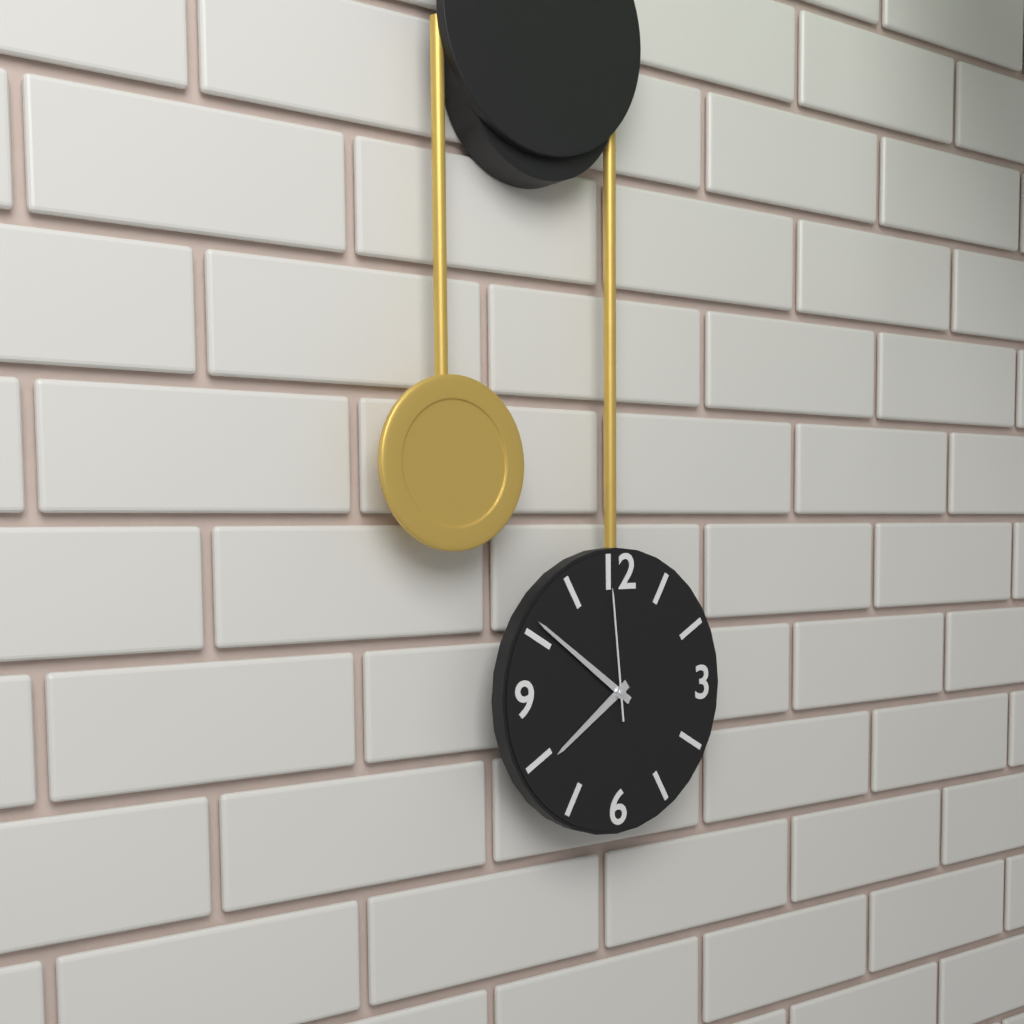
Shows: 7:51:59
